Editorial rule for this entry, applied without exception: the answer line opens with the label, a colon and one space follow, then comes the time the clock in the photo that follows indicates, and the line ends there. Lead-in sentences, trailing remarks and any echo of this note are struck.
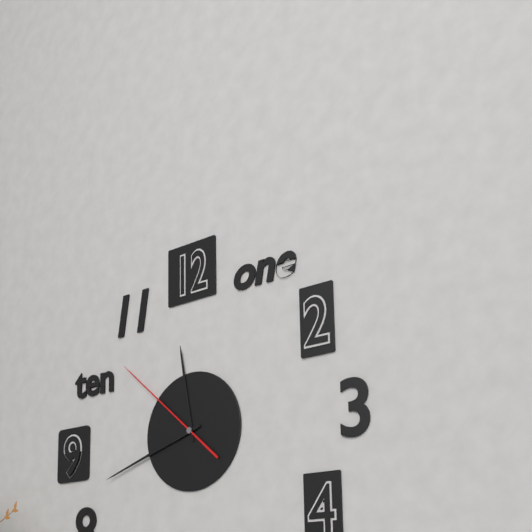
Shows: 11:42:52
